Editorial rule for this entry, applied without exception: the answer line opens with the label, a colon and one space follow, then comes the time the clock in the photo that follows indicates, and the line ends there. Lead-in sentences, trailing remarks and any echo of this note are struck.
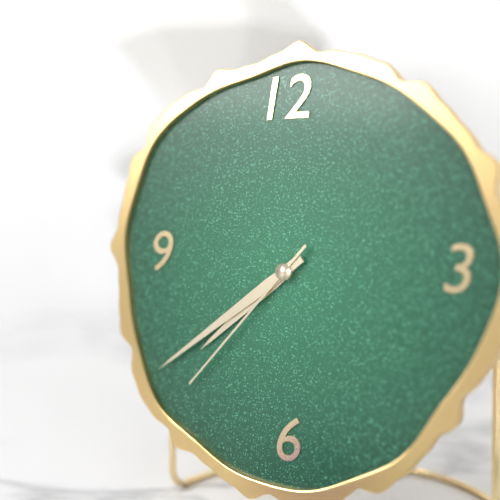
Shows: 7:39:37
